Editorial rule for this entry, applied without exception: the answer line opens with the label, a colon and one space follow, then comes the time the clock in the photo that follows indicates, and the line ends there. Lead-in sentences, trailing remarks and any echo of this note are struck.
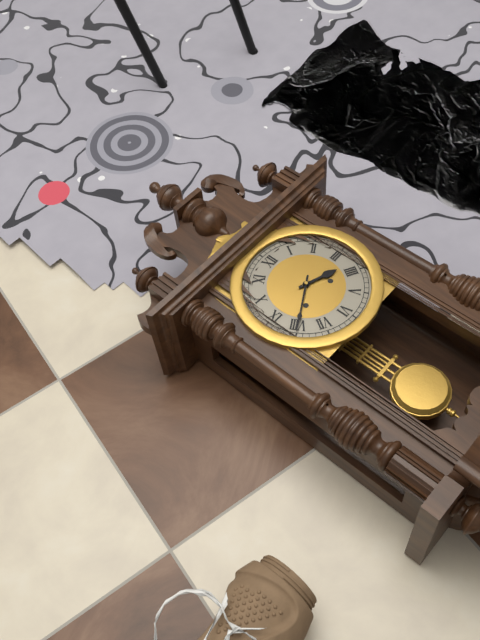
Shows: 3:40
